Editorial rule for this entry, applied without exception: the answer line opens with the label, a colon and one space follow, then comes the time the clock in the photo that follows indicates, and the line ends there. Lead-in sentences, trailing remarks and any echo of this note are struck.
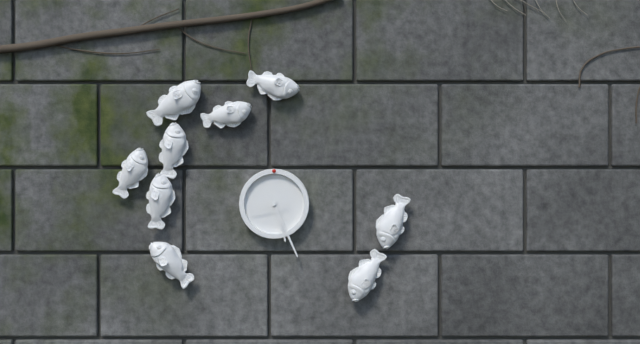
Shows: 5:26
